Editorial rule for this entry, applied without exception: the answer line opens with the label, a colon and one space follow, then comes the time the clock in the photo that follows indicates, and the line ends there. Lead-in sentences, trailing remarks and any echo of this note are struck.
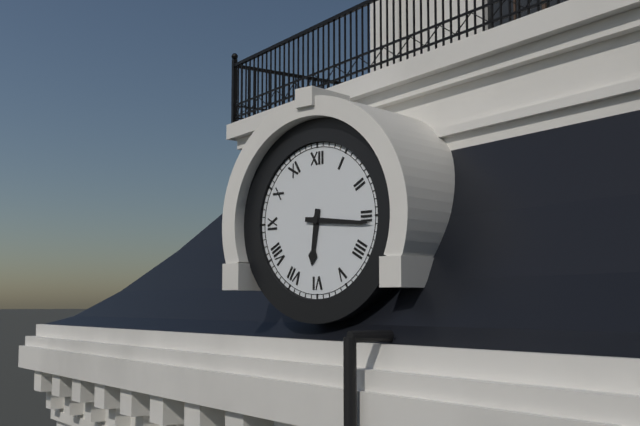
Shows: 6:16
